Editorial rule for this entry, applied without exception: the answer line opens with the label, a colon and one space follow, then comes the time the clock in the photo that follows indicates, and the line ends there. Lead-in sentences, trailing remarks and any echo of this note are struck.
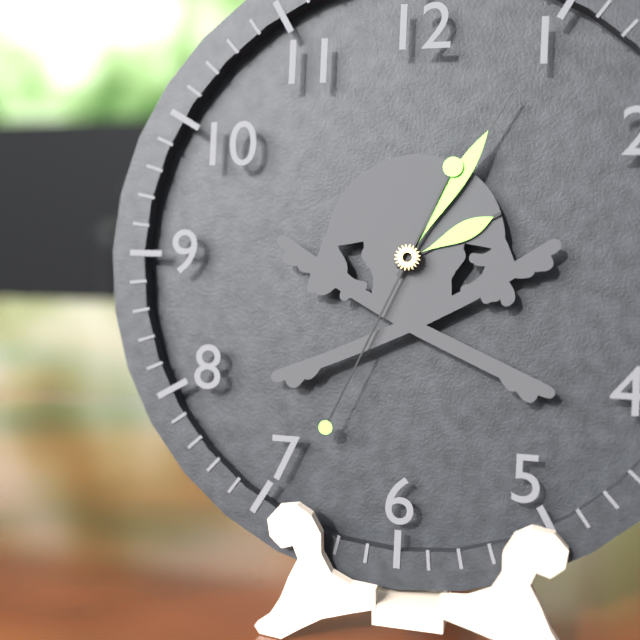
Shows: 2:05:34
